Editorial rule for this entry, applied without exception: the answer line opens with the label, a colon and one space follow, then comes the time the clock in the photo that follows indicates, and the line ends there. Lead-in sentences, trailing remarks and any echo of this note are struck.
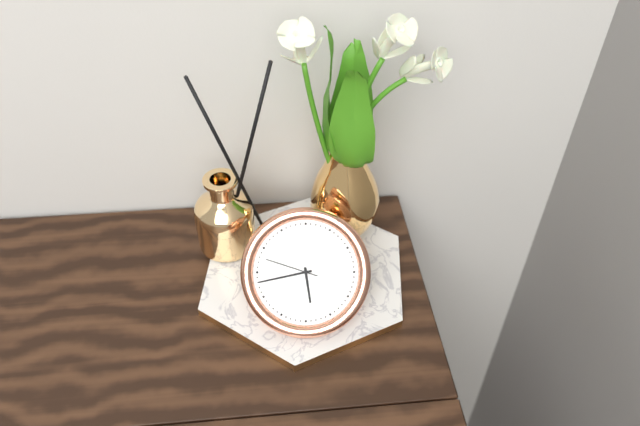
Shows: 5:43:48
